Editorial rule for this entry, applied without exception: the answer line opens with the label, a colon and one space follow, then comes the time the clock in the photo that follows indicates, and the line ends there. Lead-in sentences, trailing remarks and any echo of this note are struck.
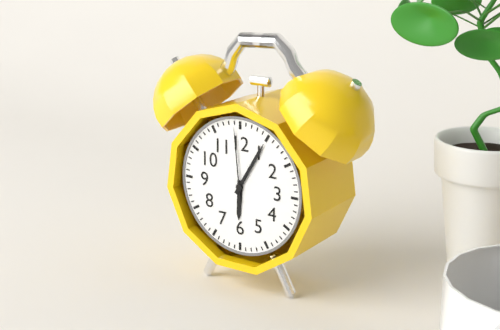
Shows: 6:05:59
